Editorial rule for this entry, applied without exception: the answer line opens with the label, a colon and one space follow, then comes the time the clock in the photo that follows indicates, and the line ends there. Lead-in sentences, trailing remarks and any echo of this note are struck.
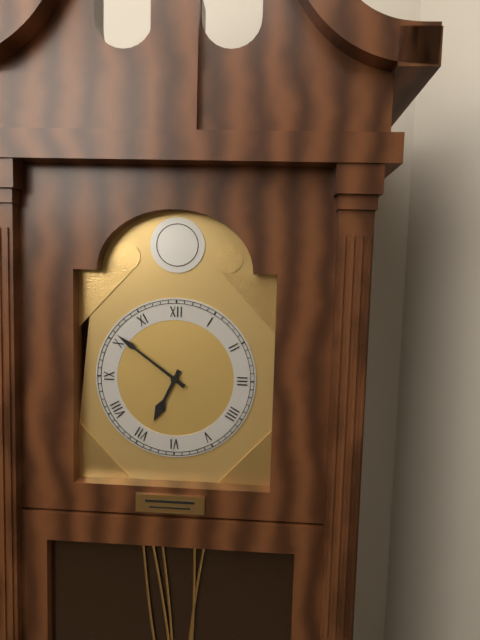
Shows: 6:51
